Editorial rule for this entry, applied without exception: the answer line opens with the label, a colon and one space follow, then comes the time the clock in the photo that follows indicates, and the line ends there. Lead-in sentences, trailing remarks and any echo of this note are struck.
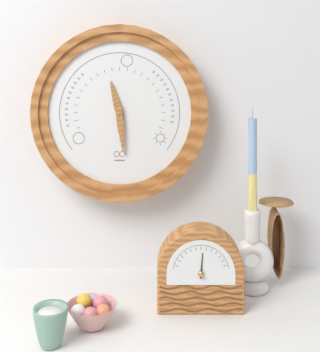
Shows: 11:29
